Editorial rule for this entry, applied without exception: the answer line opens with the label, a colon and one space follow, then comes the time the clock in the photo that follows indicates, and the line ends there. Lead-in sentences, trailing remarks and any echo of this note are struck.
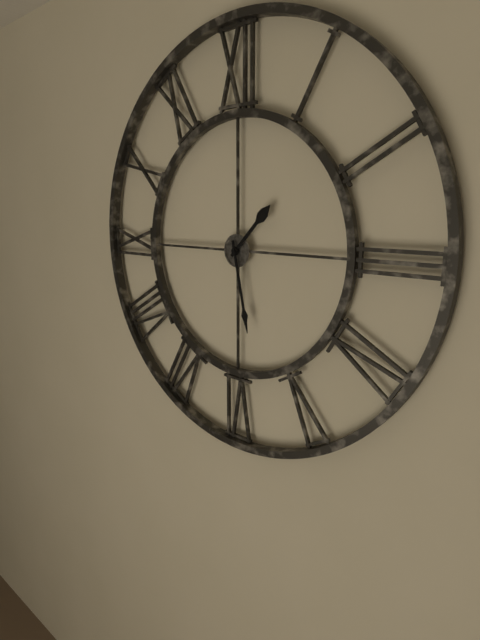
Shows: 1:28
